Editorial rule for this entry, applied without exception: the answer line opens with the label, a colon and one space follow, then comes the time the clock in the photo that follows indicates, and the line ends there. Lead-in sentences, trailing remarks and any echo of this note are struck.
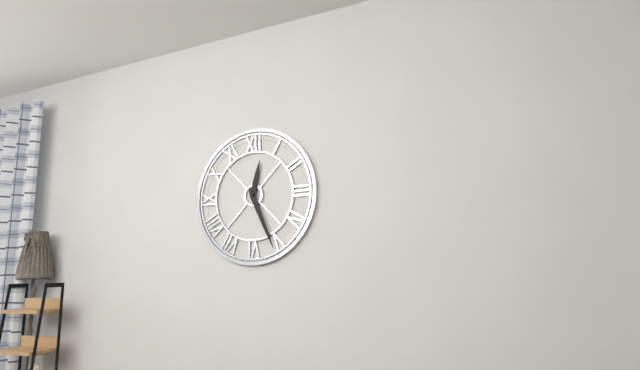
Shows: 12:26
